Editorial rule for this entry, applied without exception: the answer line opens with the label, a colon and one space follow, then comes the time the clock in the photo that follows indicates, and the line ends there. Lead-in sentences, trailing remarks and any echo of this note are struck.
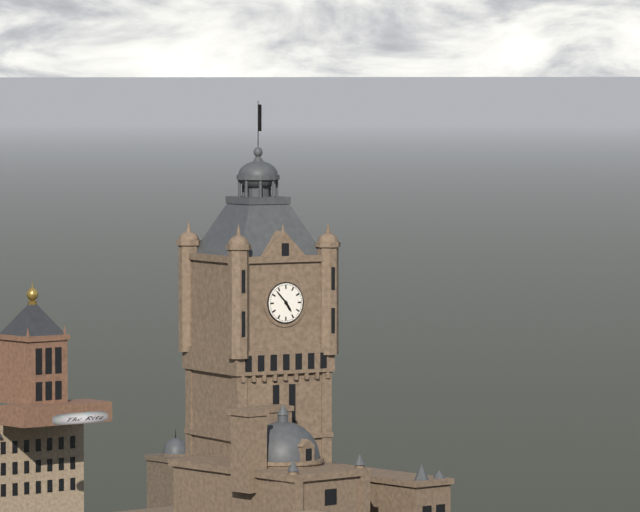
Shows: 4:53
